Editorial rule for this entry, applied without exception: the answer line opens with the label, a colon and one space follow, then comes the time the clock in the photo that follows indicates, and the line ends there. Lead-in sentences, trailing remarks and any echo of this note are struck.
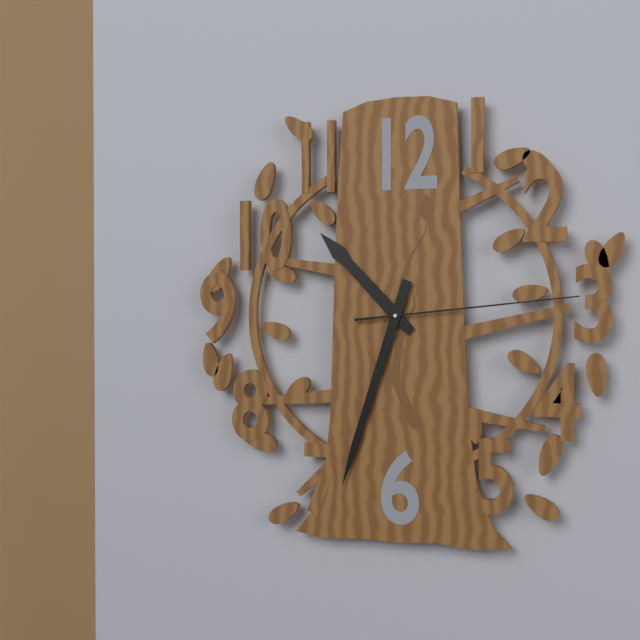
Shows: 10:33:14
